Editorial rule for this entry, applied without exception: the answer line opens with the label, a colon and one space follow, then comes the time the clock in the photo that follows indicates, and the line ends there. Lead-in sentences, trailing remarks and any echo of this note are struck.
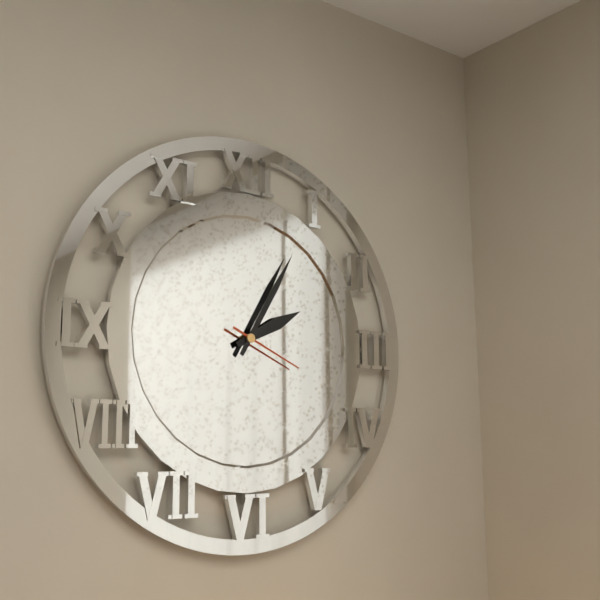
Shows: 2:05:19
